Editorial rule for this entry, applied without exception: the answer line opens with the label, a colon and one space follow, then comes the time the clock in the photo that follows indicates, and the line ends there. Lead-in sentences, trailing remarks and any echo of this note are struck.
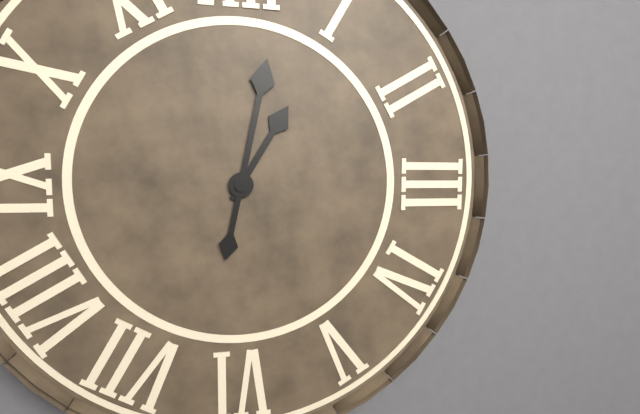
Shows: 1:02
